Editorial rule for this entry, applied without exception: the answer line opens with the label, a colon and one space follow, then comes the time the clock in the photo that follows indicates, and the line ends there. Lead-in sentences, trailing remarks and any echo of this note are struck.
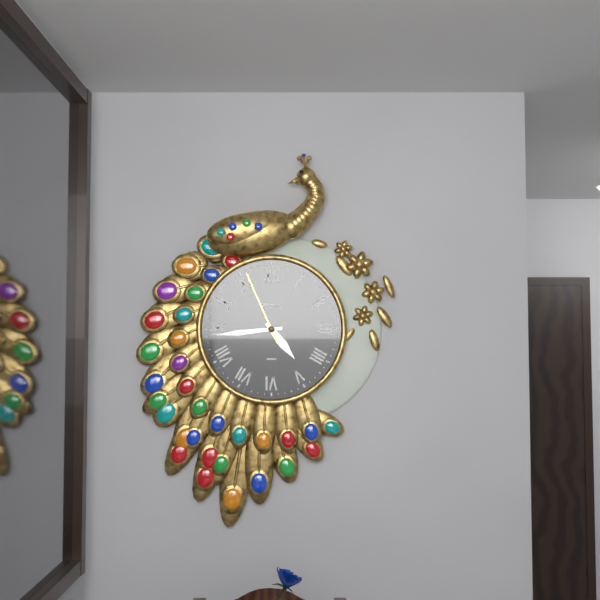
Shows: 4:44:56
